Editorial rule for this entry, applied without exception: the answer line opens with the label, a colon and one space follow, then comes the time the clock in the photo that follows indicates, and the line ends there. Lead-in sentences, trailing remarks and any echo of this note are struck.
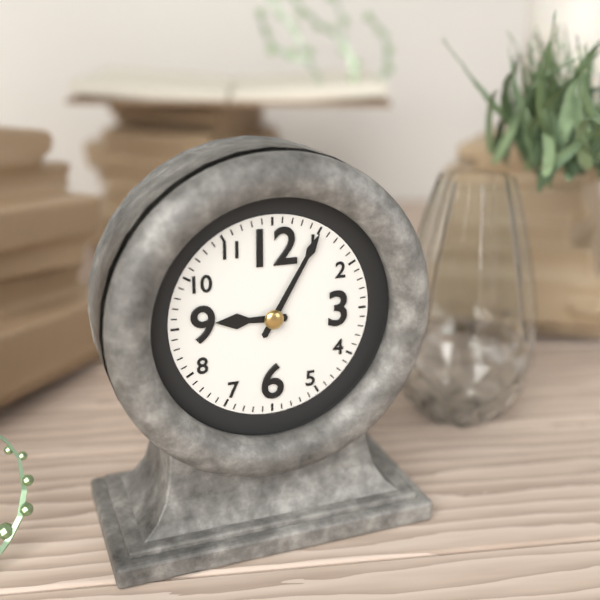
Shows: 9:05
